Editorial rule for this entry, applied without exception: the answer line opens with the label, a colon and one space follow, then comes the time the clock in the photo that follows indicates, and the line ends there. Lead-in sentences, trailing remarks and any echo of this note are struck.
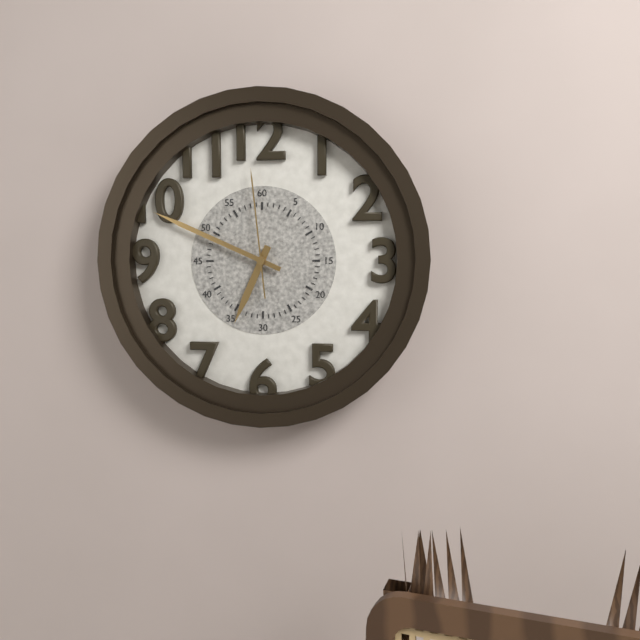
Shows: 6:49:59
